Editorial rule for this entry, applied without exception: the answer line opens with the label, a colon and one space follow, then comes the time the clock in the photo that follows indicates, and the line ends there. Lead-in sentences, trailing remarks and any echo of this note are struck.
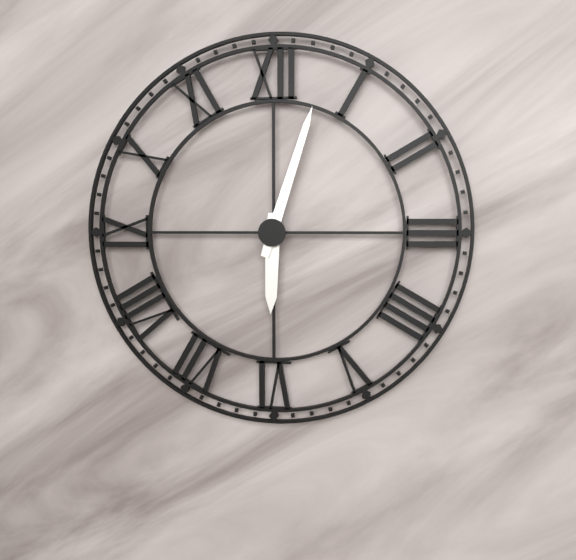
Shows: 6:03
